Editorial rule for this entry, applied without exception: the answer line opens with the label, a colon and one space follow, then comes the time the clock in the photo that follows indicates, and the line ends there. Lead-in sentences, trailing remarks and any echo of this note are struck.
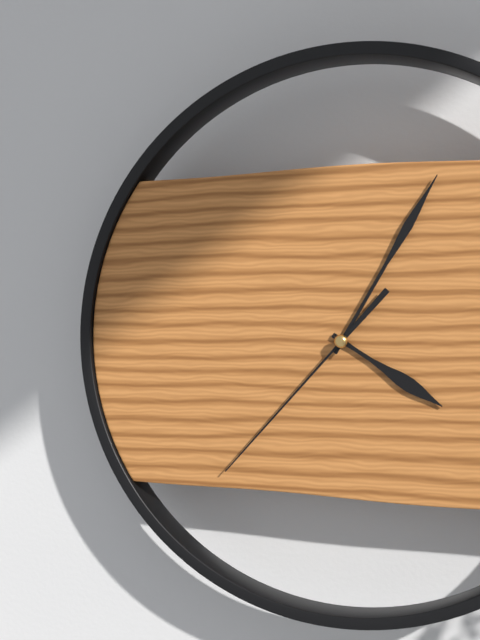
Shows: 4:05:37
